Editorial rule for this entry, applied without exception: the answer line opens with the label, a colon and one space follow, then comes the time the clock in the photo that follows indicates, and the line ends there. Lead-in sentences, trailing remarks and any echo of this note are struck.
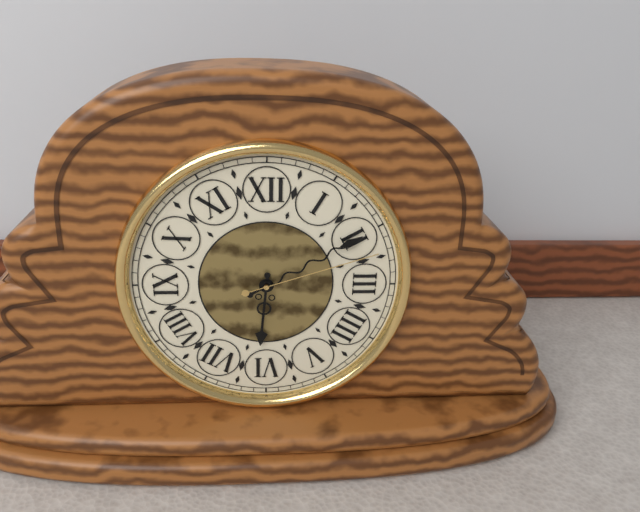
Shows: 6:10:12
